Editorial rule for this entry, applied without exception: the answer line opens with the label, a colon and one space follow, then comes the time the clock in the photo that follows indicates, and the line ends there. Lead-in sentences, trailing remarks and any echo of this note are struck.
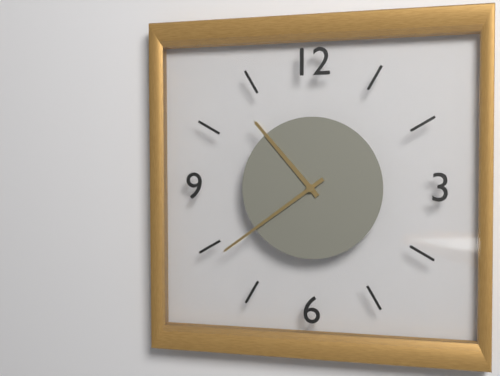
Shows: 10:39
